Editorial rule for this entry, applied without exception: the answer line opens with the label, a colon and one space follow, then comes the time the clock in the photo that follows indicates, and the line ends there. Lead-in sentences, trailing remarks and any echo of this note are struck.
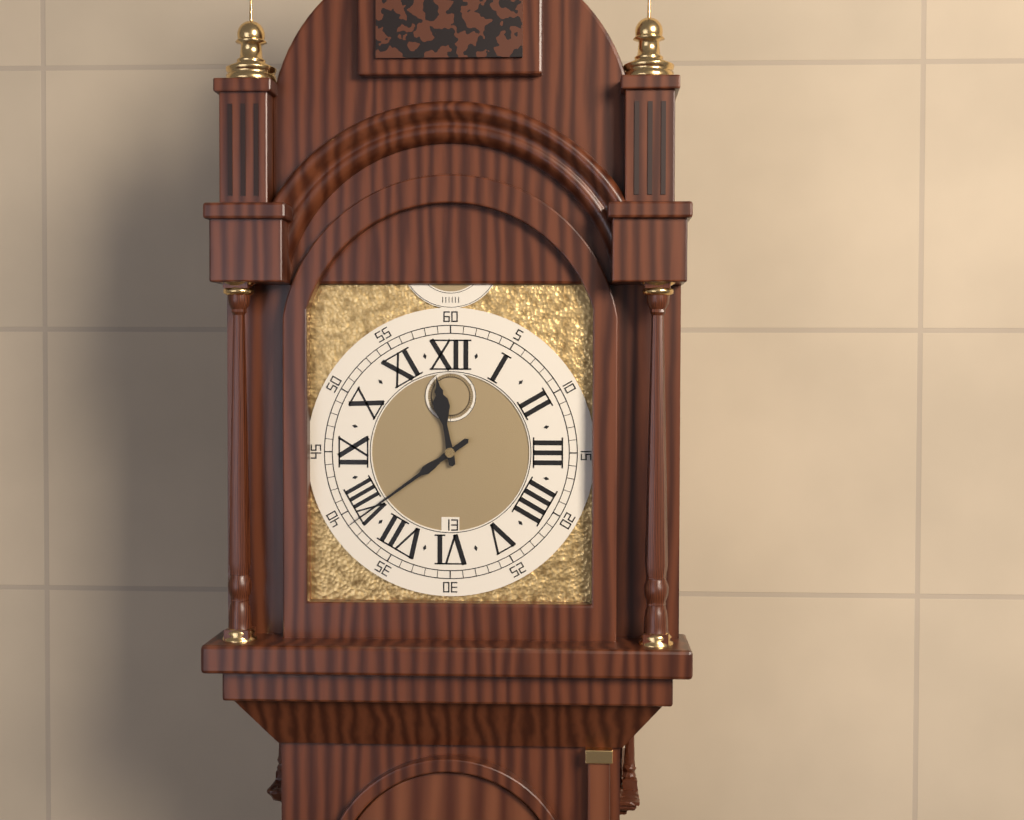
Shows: 11:39
